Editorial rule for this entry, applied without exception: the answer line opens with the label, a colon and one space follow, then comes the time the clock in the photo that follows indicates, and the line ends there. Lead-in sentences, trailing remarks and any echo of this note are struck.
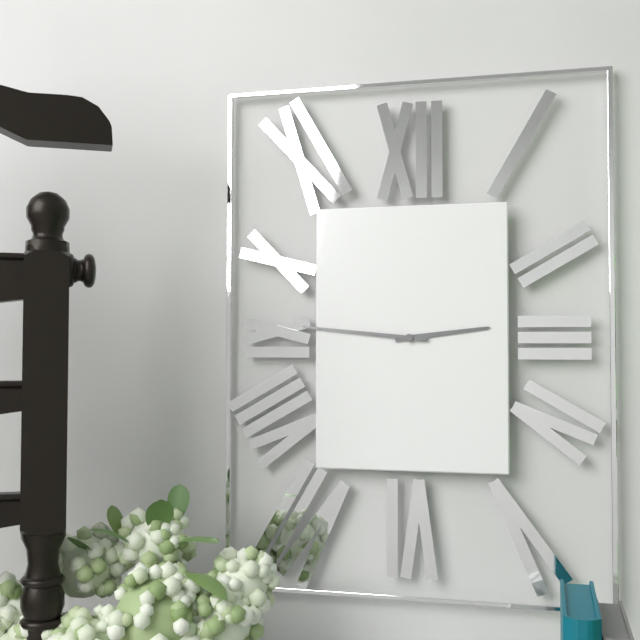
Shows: 2:46
